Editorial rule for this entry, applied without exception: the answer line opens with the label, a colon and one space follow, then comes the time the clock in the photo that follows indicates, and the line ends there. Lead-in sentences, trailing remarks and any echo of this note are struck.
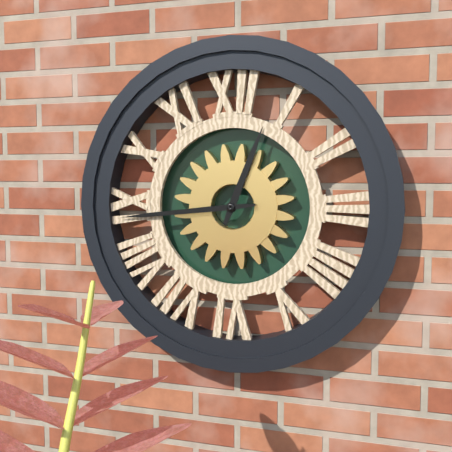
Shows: 12:44
